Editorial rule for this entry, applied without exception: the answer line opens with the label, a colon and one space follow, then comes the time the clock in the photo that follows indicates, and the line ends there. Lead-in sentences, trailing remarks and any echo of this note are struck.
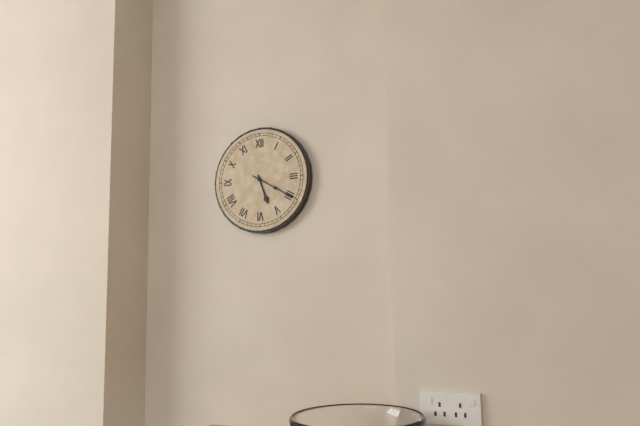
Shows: 5:20
